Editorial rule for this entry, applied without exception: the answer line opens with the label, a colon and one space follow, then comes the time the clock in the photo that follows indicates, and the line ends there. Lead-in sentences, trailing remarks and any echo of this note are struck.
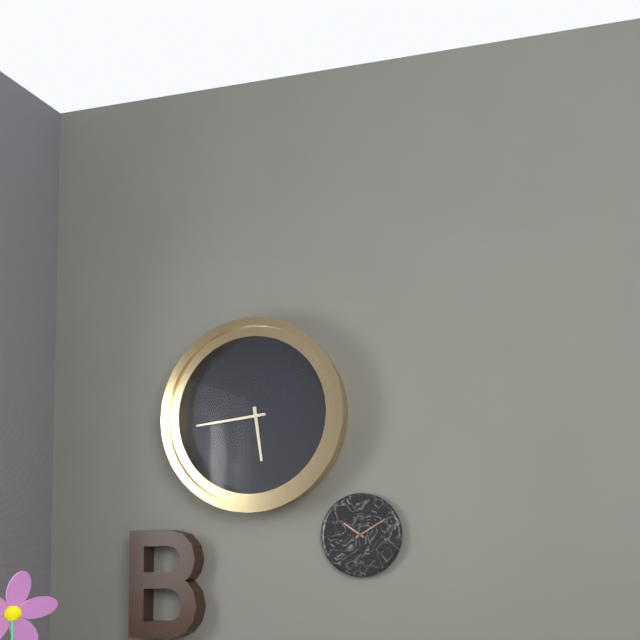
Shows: 5:44
